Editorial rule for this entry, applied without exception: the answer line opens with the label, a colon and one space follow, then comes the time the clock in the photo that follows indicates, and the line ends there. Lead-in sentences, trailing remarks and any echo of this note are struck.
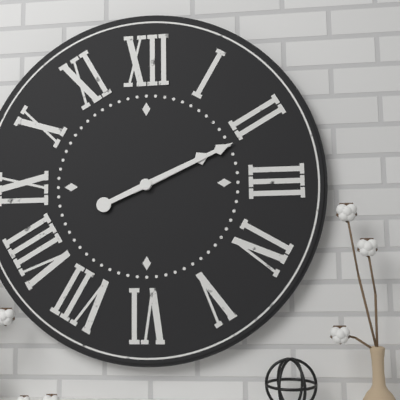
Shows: 2:11
